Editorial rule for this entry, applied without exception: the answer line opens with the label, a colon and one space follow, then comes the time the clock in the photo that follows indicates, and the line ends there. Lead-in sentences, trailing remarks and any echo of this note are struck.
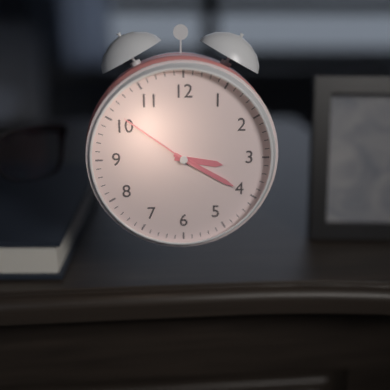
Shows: 3:20:51
